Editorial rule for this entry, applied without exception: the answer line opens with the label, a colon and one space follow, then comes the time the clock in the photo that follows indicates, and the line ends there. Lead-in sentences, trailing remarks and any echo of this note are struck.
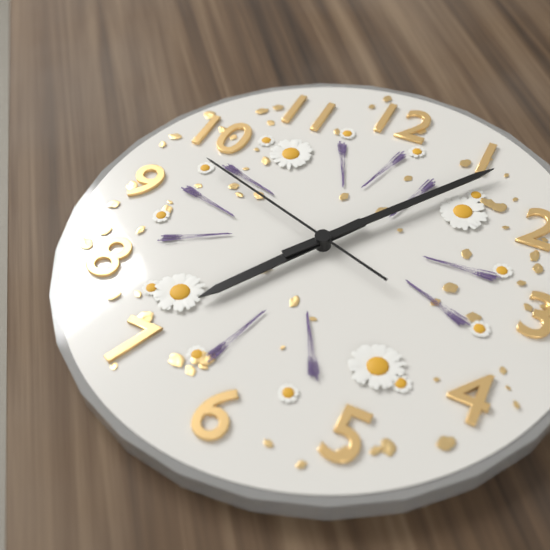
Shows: 7:06:48
